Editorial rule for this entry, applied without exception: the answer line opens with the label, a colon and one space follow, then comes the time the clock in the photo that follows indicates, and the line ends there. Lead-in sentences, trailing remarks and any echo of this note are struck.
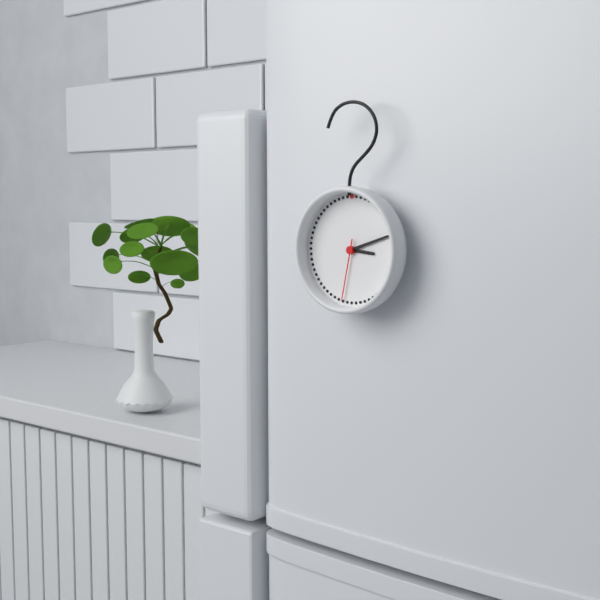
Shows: 3:12:32
